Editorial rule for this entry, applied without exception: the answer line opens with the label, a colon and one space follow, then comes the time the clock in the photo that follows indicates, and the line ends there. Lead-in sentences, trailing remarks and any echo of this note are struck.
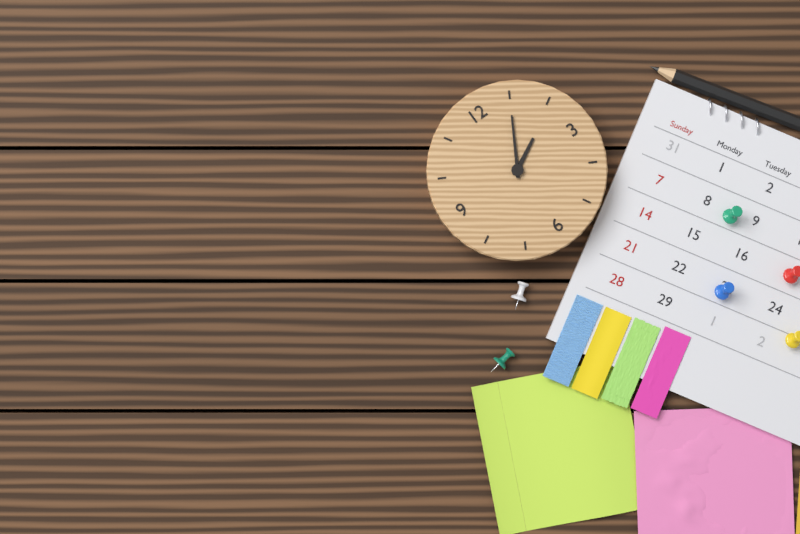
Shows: 2:05
